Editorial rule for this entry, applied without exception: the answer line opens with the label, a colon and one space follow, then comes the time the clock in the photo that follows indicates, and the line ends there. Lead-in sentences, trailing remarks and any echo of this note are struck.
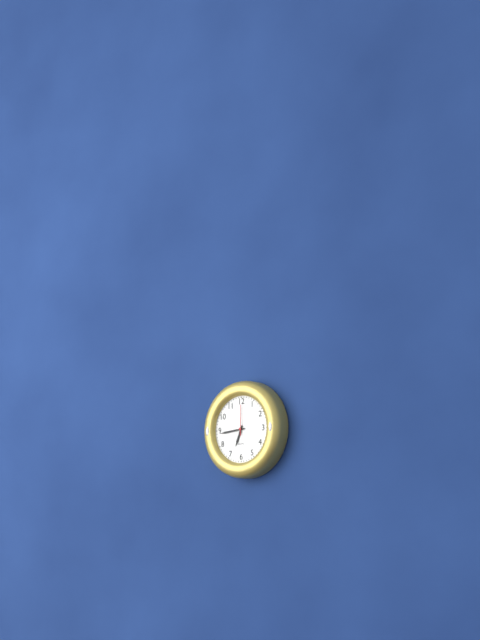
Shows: 6:44
